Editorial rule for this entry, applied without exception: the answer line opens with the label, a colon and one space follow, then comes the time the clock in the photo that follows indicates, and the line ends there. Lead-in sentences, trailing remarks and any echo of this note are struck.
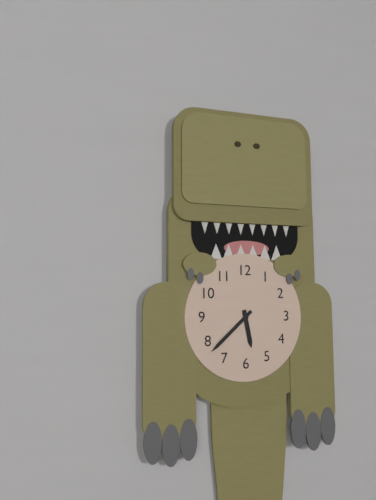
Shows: 5:38
